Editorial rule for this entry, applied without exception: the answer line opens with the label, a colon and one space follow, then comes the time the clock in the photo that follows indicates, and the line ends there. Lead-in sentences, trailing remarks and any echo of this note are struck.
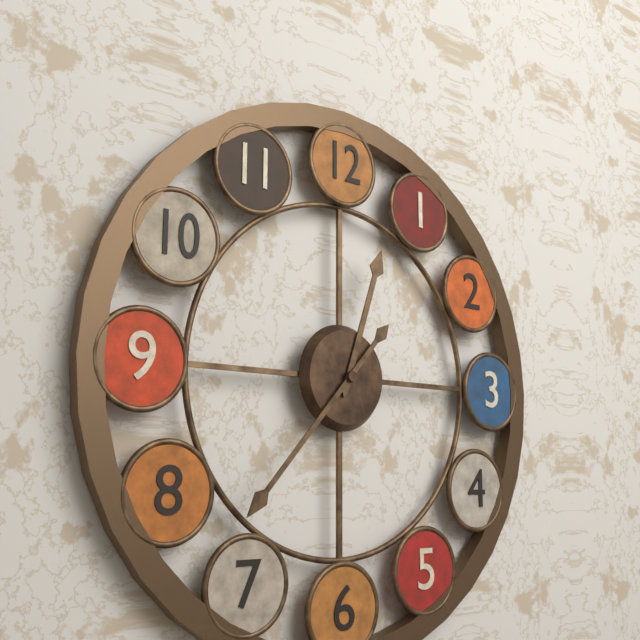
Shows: 12:37
